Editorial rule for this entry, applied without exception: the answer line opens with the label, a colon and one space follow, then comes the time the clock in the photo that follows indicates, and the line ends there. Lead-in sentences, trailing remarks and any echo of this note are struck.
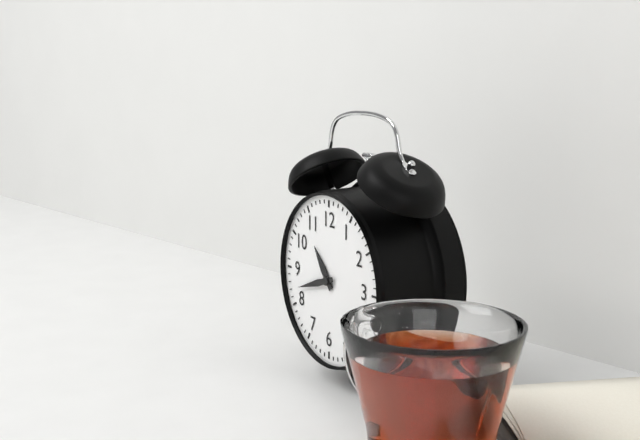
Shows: 10:42
